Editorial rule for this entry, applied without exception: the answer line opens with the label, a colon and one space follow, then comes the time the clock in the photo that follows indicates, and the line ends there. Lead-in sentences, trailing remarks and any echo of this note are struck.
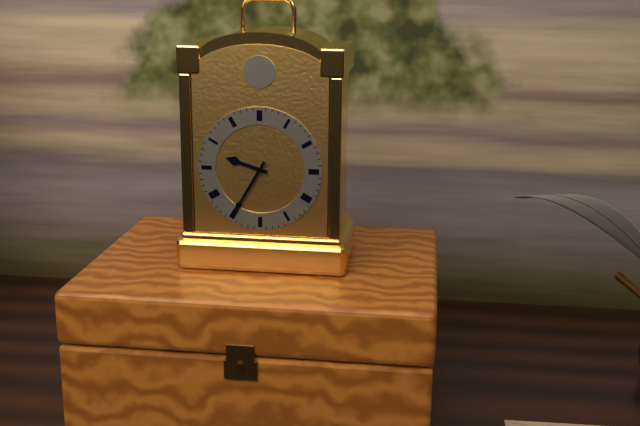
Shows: 9:35
